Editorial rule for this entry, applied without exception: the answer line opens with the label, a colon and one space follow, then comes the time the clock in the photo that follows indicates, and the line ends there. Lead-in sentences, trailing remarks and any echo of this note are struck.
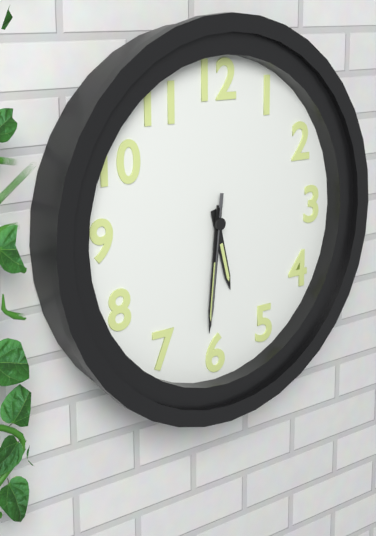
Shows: 5:31:31
